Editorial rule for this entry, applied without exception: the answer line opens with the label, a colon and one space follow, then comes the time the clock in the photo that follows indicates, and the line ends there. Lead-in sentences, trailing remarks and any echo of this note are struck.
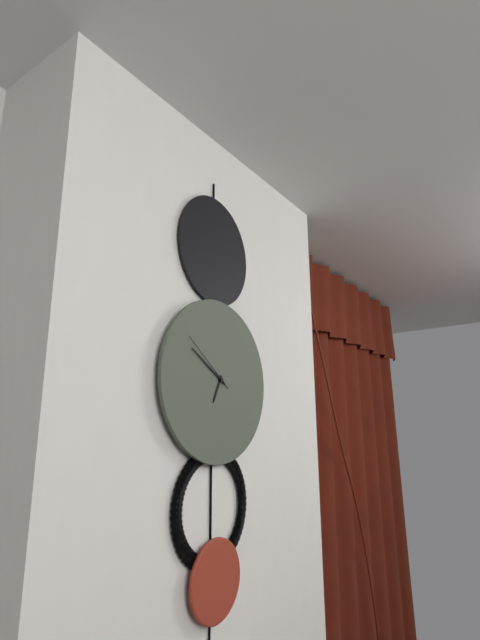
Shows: 6:50:51
